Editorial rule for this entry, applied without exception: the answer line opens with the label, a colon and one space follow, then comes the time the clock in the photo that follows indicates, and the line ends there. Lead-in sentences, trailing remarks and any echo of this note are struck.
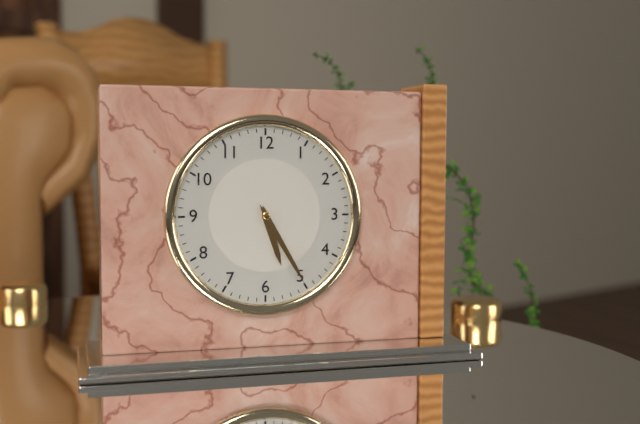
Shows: 5:25
